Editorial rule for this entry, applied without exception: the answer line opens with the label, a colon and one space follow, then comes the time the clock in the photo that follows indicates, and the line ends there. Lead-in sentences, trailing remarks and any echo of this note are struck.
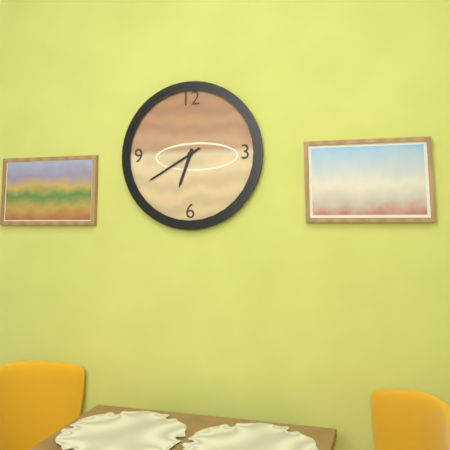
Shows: 6:40
